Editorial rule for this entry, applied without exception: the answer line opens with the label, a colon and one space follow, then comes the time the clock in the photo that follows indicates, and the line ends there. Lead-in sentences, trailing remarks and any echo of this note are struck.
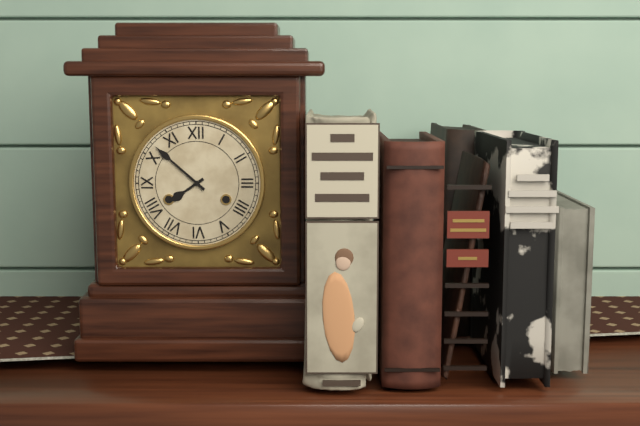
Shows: 7:52
